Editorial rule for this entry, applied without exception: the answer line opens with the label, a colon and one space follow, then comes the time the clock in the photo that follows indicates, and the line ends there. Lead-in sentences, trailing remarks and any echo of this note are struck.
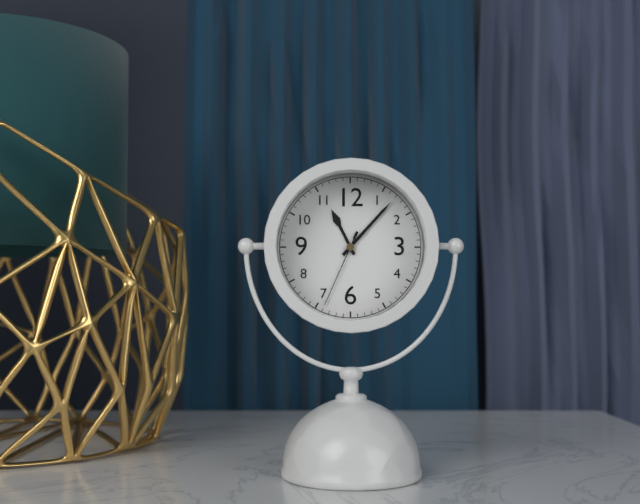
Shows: 11:07:34
